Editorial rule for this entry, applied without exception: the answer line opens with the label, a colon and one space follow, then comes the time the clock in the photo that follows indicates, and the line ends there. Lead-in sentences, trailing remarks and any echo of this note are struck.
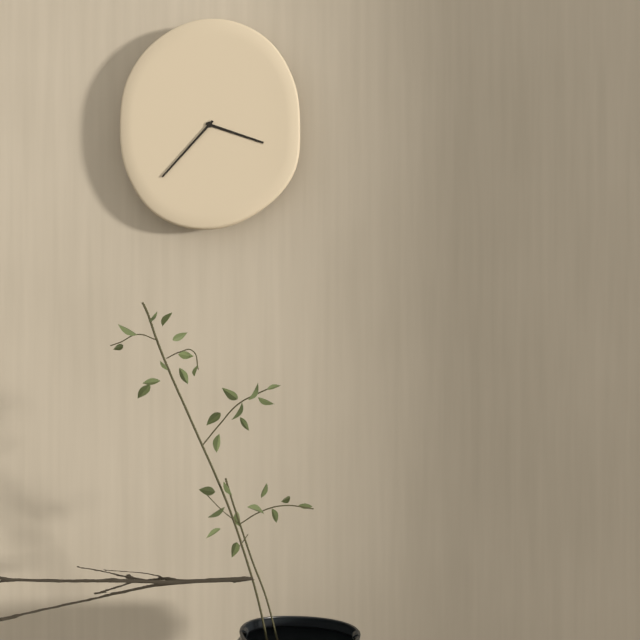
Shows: 3:37
